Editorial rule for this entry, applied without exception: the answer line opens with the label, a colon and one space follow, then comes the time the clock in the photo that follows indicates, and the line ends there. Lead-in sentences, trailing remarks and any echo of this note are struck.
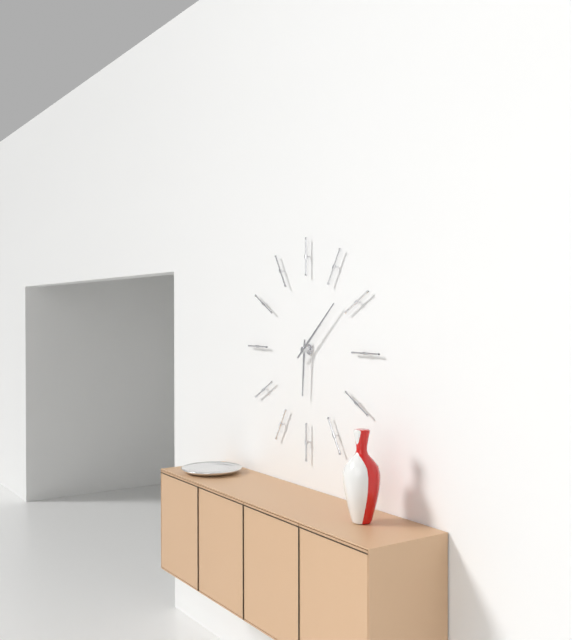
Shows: 6:08
